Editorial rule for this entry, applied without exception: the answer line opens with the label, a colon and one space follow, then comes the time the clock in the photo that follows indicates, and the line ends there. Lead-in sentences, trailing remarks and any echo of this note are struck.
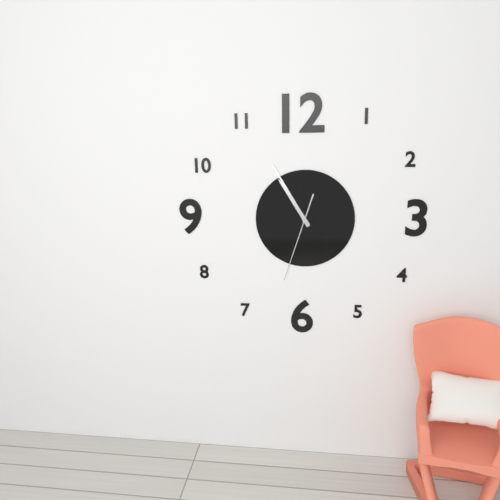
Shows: 10:55:33
